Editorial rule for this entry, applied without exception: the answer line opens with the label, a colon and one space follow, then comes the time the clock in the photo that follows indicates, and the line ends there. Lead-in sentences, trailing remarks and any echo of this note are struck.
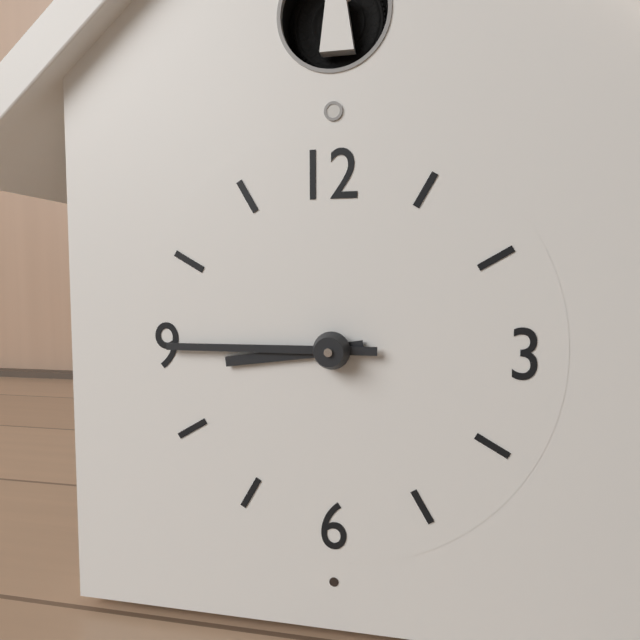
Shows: 8:45
